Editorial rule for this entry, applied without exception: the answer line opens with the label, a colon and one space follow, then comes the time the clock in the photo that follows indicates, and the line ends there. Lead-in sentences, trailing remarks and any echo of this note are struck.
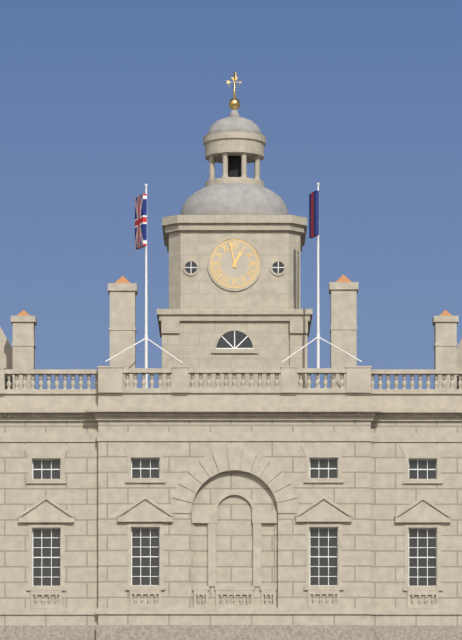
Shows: 12:58
